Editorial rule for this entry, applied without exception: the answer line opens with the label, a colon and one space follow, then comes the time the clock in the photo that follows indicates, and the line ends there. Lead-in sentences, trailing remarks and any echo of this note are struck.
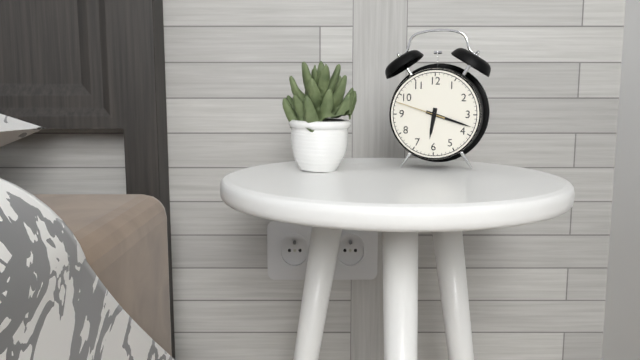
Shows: 6:18:48
